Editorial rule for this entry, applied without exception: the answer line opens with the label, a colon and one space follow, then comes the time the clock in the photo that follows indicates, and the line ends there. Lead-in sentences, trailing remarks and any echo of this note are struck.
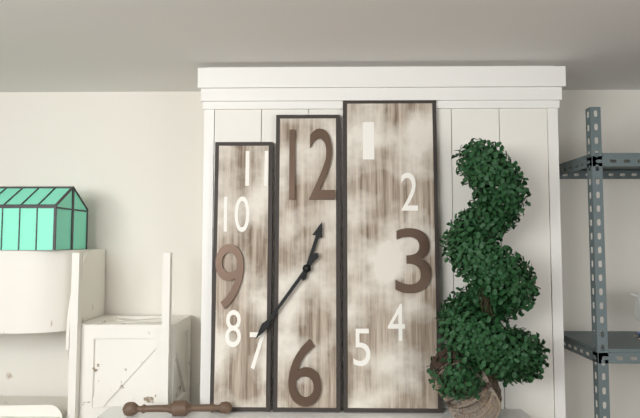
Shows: 12:36
